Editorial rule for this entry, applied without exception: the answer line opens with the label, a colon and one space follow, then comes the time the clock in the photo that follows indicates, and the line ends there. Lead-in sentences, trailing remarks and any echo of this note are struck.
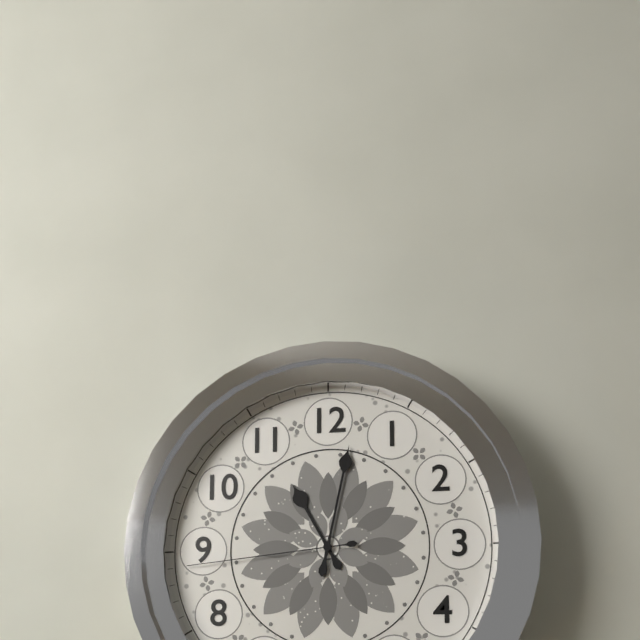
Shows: 11:02:44
